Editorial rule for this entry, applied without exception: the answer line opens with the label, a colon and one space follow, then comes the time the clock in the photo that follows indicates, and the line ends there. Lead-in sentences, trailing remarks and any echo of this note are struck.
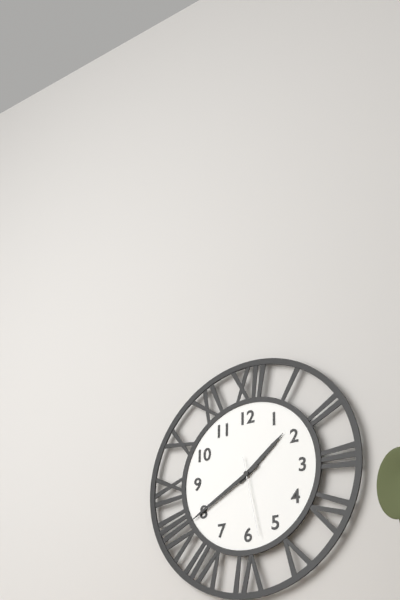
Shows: 1:40:28
